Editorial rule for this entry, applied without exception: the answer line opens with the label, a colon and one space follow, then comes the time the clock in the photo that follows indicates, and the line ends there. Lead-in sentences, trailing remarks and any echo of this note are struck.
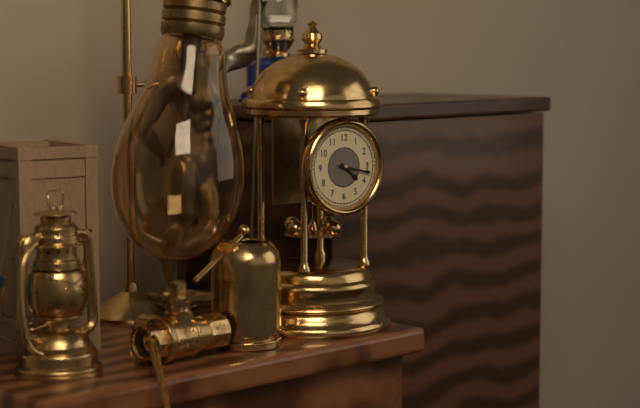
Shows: 4:17
